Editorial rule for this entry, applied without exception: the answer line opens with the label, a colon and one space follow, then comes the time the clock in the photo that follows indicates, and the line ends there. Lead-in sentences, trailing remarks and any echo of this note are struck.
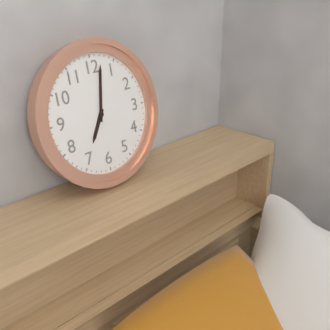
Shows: 7:02
